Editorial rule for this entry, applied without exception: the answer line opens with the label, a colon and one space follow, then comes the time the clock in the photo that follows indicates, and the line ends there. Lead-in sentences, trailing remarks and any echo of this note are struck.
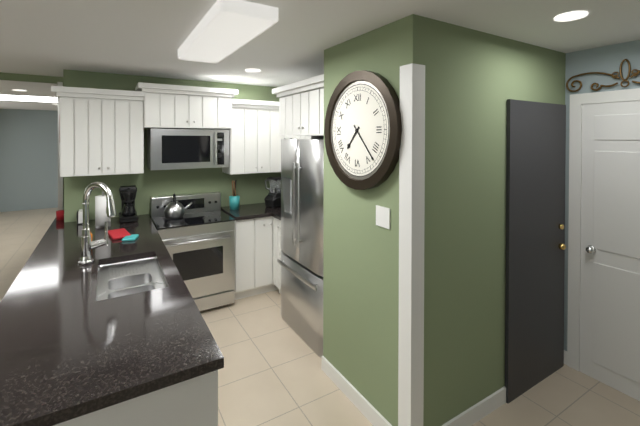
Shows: 7:23
